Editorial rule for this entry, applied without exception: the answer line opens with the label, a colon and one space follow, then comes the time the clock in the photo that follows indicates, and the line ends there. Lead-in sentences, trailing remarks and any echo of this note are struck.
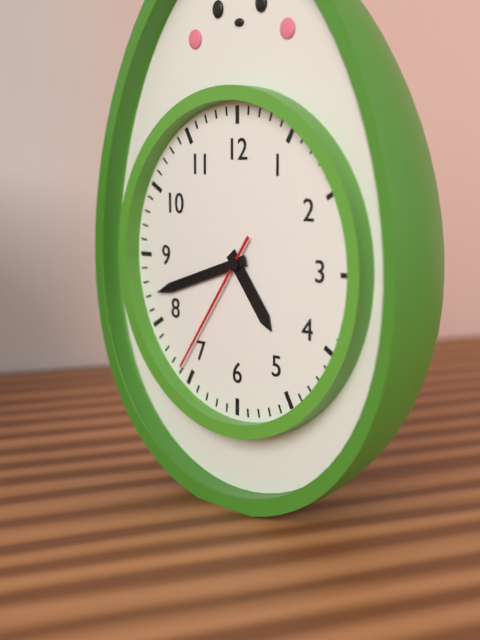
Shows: 4:42:36
